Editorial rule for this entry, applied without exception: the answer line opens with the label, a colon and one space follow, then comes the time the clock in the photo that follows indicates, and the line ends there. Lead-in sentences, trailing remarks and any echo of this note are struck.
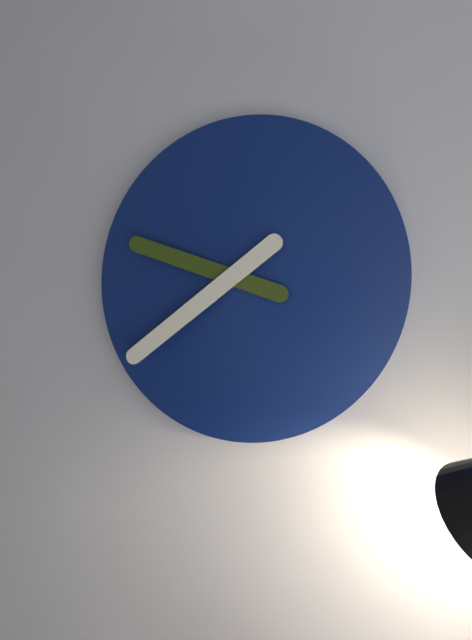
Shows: 9:39
